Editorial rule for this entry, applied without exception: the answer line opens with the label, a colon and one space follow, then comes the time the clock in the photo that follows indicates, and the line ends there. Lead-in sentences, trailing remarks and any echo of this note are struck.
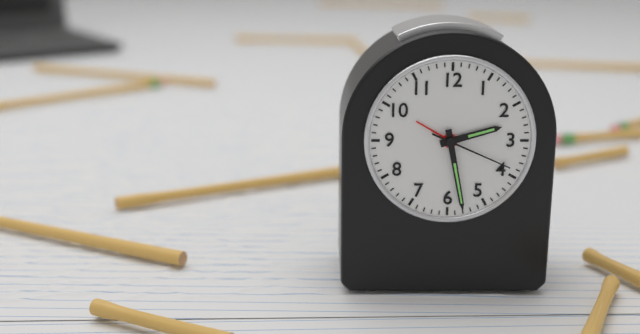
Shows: 2:28:19
